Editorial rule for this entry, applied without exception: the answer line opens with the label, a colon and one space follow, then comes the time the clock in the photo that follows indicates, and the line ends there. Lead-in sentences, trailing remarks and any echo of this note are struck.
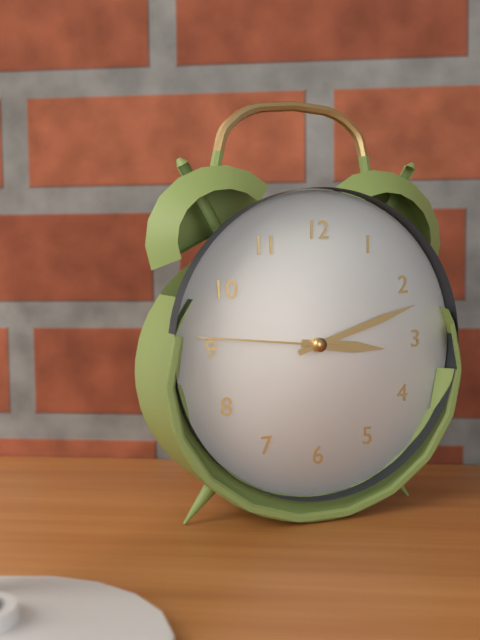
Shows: 3:12:46
